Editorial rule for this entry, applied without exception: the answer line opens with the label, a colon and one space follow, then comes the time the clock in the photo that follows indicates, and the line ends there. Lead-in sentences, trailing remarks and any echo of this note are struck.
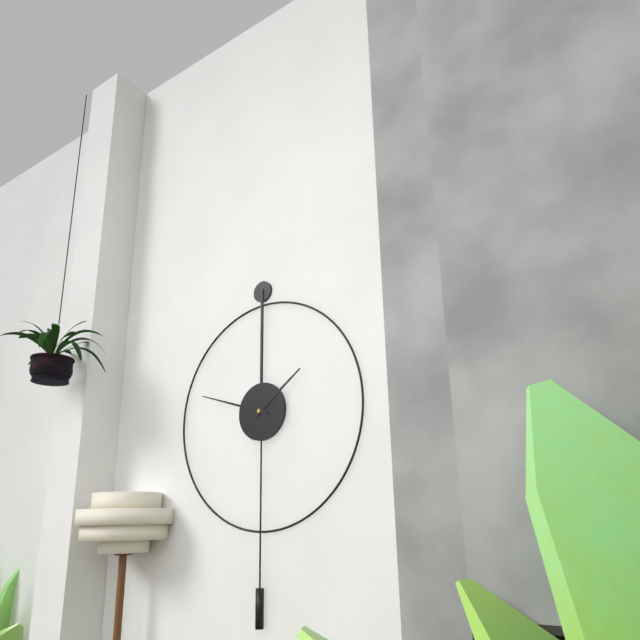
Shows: 1:48
